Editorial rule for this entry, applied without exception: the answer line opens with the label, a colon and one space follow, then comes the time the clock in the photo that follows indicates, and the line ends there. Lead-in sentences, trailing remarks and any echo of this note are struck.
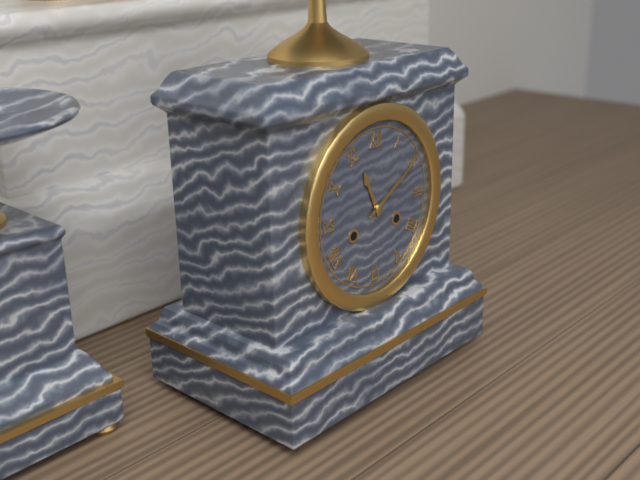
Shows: 11:10
